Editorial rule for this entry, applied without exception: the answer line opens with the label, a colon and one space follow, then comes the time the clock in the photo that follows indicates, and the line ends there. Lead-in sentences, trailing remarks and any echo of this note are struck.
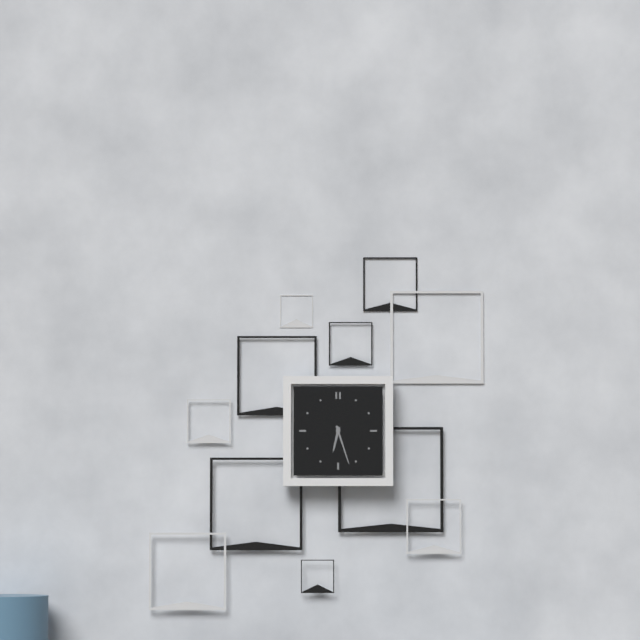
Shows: 6:27
